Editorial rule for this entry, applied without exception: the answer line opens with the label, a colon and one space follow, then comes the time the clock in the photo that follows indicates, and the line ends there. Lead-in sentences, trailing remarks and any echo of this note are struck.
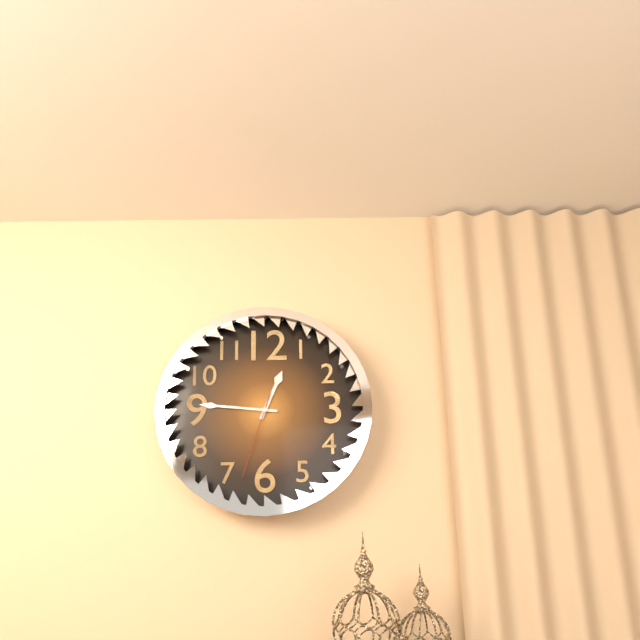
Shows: 12:46:33
